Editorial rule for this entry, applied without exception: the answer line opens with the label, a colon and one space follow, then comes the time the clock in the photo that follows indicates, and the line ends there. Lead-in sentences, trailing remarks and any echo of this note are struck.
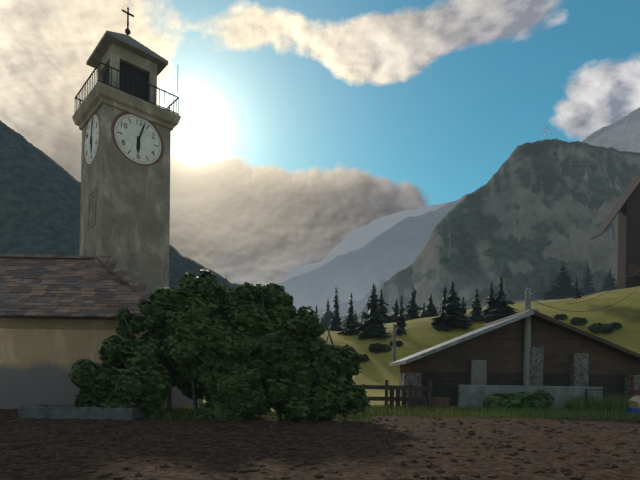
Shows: 6:03
